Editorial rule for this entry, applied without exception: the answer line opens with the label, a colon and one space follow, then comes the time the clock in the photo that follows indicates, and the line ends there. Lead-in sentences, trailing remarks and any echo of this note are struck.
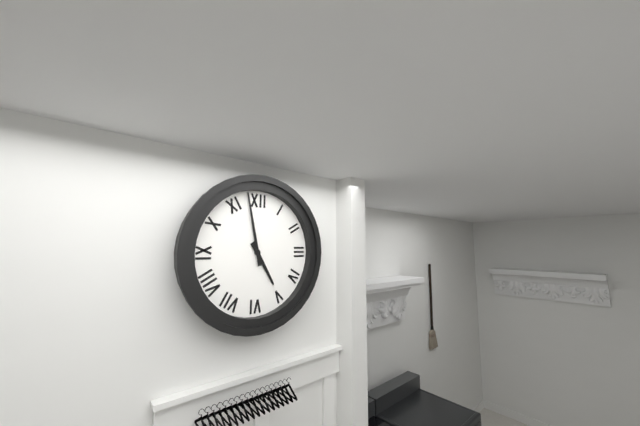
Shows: 4:58
